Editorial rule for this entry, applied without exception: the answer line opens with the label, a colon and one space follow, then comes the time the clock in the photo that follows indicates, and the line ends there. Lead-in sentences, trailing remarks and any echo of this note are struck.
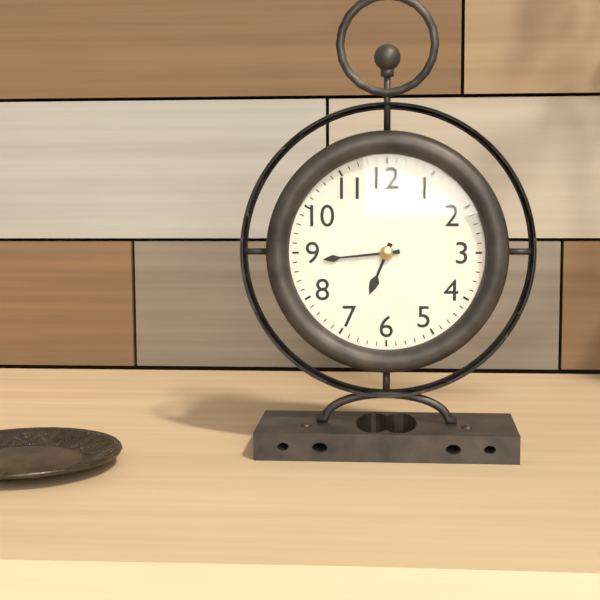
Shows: 6:44
